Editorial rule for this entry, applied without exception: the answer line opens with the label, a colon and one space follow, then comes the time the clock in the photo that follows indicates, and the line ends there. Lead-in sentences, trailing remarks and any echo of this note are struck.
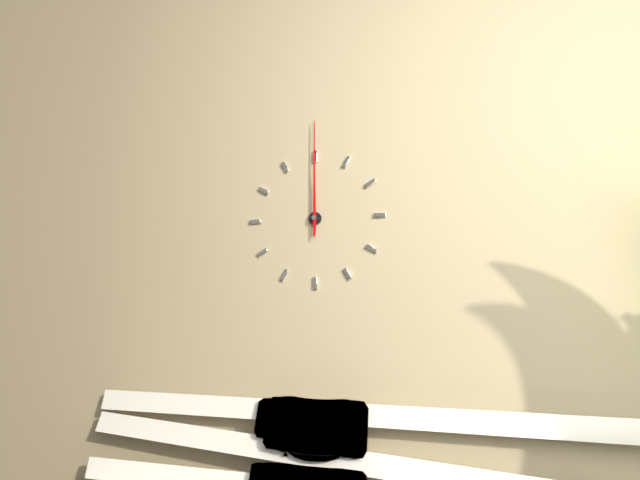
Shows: 12:00
